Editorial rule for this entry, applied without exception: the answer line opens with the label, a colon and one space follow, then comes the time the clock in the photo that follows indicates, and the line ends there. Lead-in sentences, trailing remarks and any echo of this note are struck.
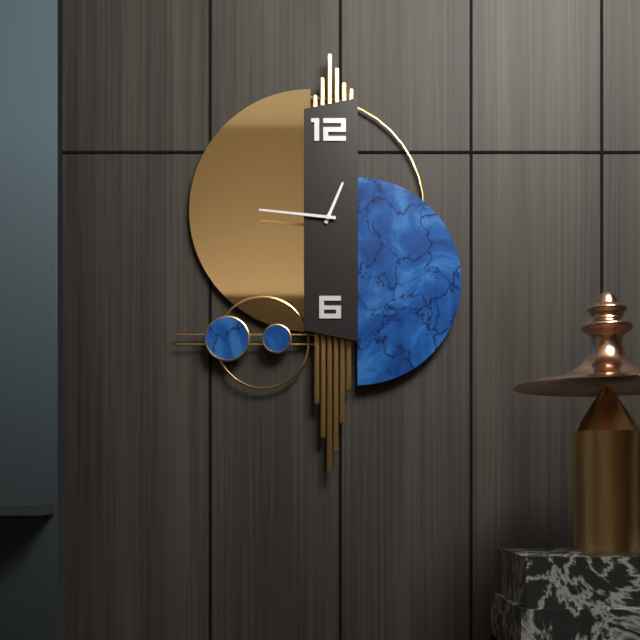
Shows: 12:46
